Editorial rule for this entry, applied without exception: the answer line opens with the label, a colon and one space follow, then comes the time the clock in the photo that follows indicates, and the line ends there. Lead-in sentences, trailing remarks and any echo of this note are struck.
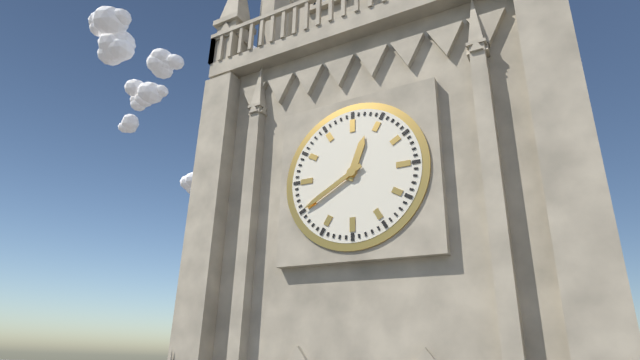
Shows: 12:40
